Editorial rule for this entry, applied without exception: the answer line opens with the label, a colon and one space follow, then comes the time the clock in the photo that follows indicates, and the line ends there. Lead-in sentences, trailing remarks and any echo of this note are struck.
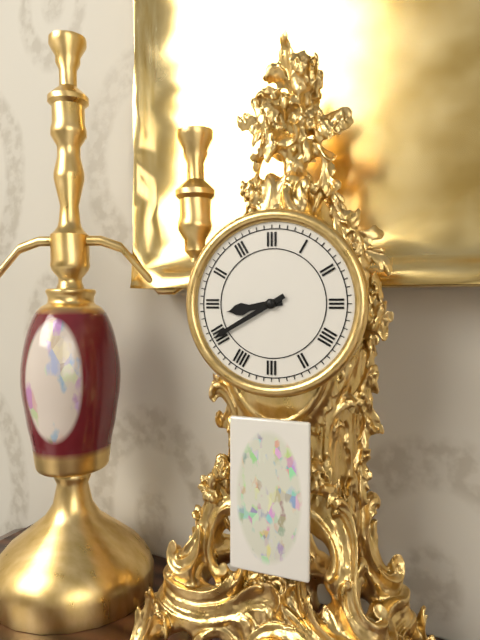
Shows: 8:40
